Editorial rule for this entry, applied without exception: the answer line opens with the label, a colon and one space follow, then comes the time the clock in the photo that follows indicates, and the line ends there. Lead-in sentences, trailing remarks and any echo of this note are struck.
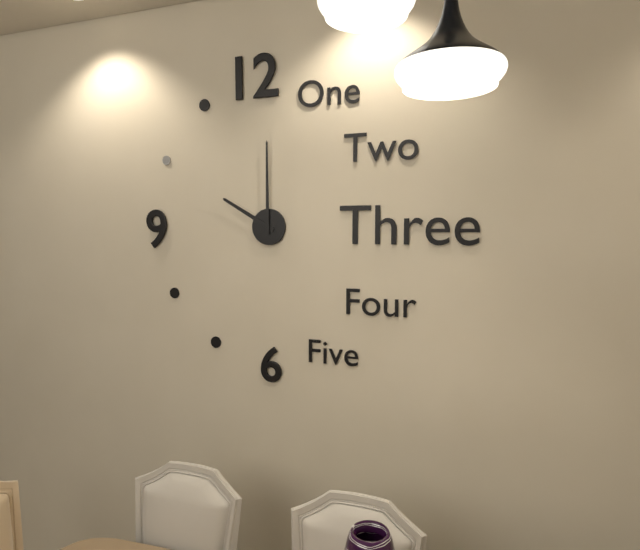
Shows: 10:00
